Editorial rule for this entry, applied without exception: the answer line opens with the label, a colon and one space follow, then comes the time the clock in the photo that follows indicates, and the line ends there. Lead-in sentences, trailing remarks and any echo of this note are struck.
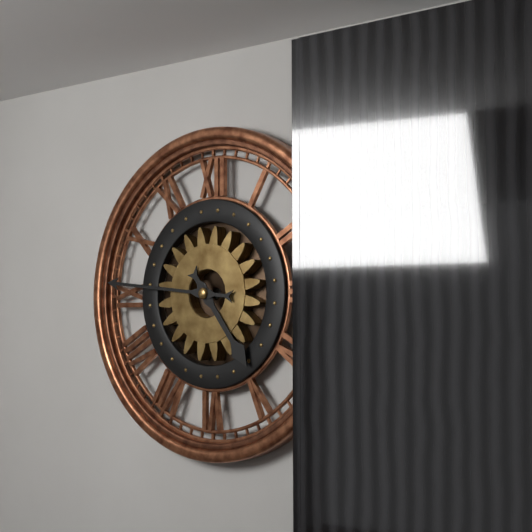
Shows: 4:46
